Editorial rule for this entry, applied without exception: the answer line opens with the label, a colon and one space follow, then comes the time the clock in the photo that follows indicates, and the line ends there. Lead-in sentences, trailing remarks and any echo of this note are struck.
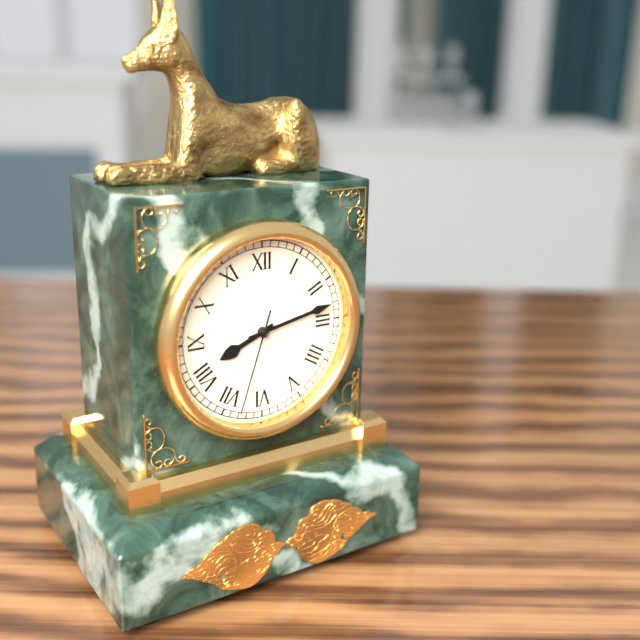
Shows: 8:13:33
